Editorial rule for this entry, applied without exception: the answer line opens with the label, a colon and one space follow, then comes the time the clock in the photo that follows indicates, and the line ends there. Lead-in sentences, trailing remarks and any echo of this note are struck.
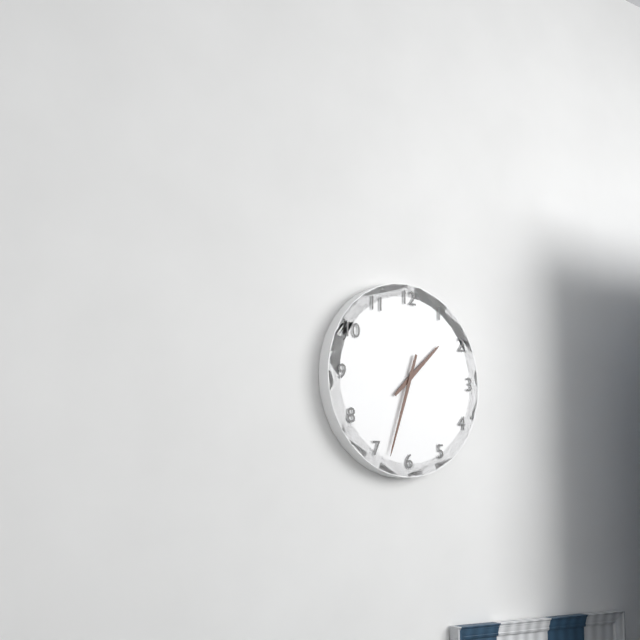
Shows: 1:33
